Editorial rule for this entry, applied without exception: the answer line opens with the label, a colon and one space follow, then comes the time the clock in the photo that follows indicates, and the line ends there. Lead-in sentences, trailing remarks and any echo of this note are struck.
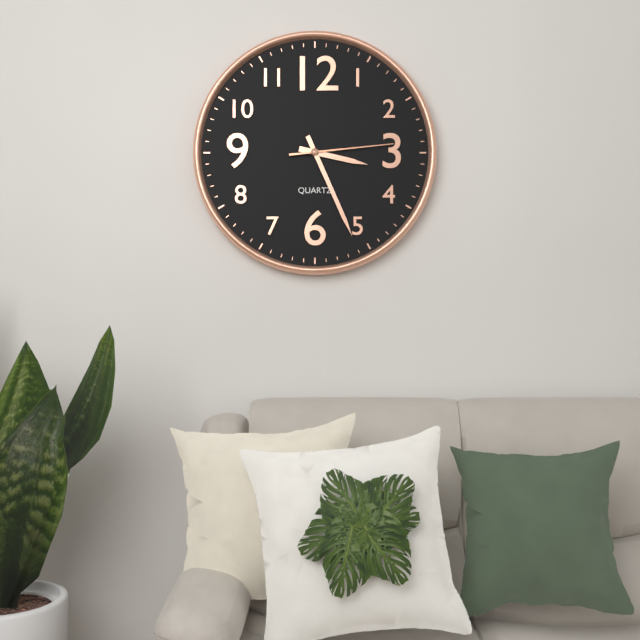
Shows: 3:26:14
